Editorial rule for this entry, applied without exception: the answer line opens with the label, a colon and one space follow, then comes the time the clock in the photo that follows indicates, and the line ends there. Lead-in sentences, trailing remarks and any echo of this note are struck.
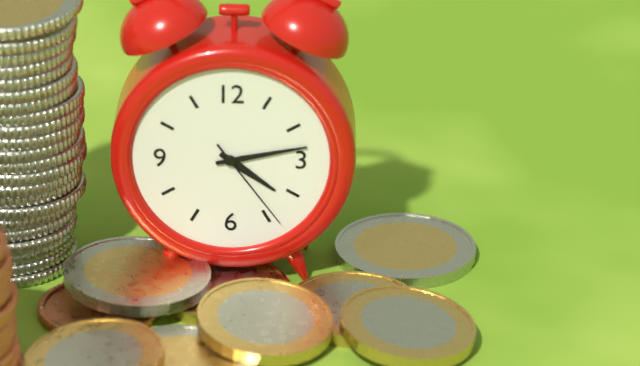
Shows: 4:13:24
